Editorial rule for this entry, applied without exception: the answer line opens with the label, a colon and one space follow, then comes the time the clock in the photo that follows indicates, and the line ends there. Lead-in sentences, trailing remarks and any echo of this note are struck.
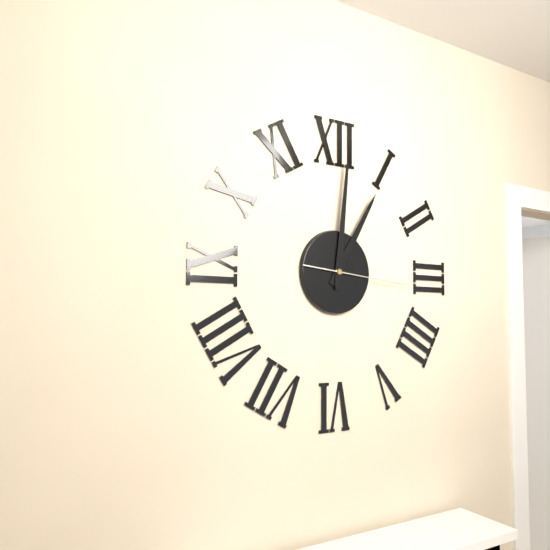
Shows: 1:01:16
